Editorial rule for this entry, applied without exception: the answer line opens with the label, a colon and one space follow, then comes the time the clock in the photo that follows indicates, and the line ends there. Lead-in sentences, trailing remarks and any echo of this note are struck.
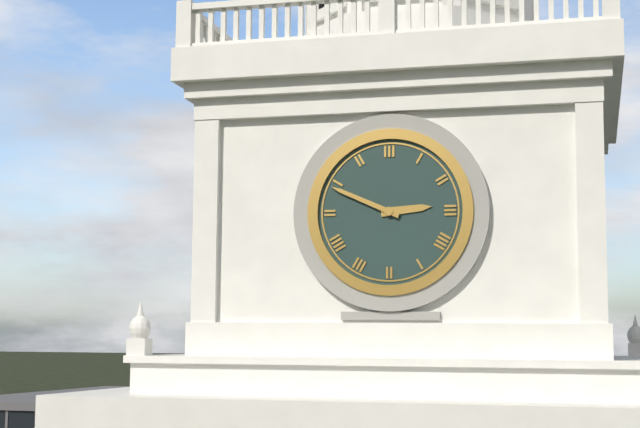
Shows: 2:49
